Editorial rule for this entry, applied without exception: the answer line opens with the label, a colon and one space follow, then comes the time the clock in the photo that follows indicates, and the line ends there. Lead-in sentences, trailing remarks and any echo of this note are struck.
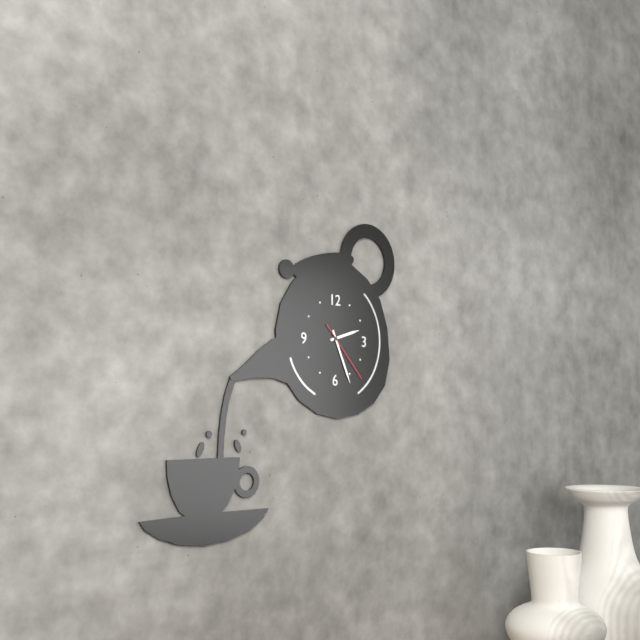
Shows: 2:26:23
